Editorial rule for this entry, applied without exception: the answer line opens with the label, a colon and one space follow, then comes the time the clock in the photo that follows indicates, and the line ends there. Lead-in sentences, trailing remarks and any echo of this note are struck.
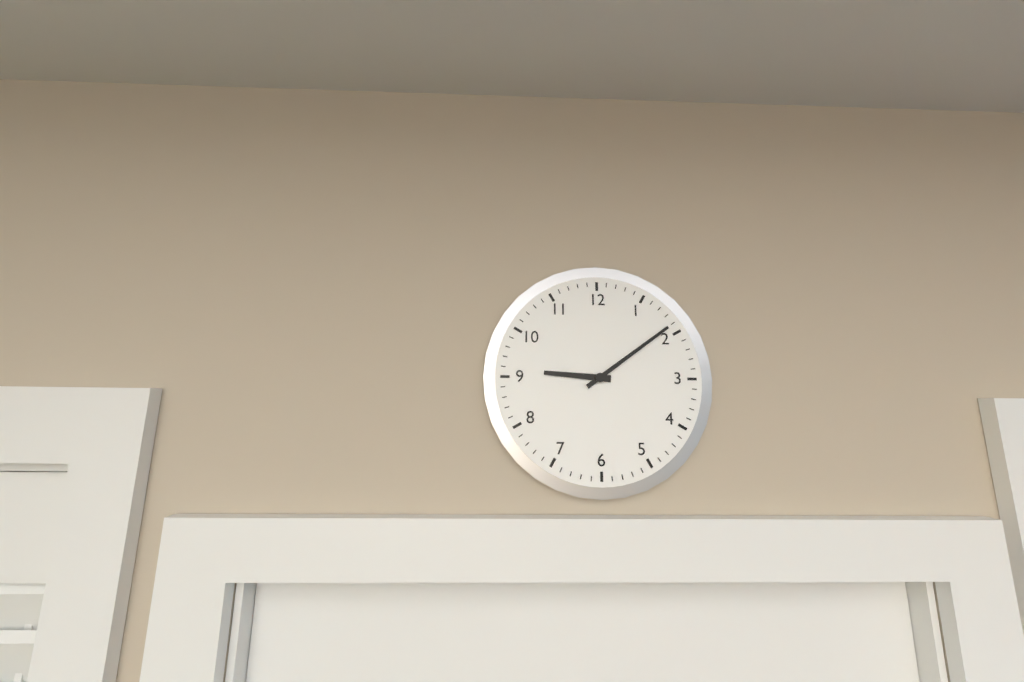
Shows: 9:09
